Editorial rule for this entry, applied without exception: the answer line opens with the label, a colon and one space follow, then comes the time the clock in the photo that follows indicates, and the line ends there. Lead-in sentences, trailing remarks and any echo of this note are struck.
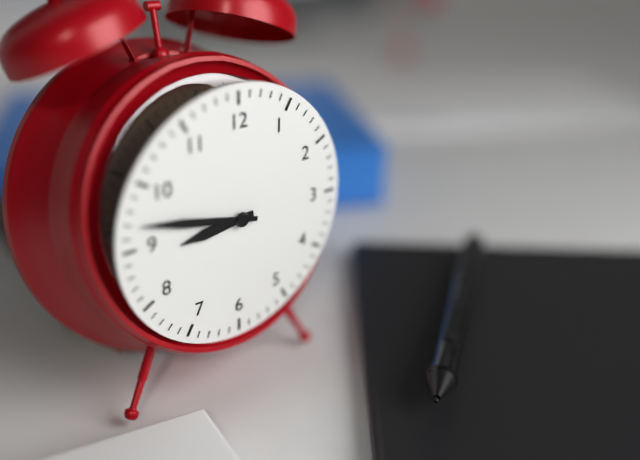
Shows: 8:47
